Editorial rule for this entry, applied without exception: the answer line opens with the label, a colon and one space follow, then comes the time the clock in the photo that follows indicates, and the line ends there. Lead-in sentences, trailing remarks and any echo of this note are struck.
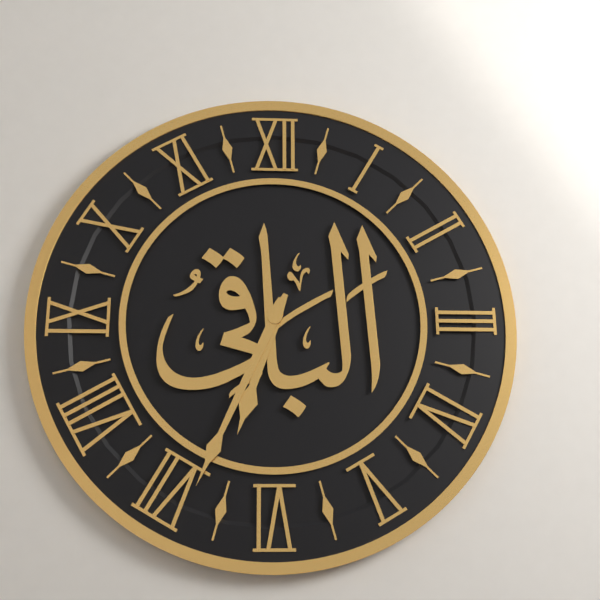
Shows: 6:34
